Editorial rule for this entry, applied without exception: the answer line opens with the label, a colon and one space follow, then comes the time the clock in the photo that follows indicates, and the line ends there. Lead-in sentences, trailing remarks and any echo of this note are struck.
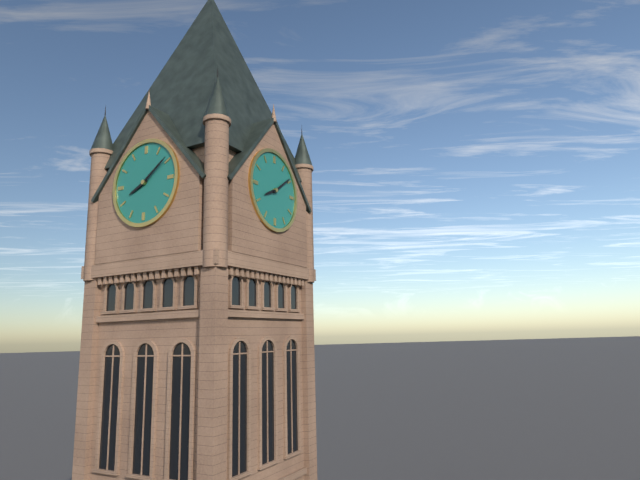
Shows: 8:09
